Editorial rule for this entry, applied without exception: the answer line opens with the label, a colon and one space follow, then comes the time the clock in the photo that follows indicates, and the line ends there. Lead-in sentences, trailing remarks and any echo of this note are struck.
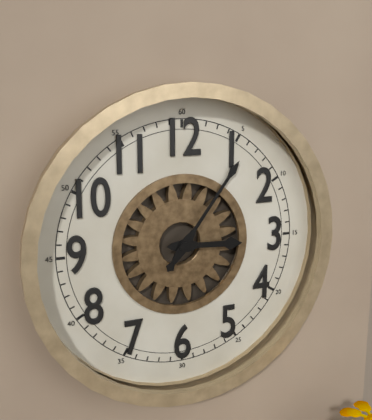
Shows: 3:06
